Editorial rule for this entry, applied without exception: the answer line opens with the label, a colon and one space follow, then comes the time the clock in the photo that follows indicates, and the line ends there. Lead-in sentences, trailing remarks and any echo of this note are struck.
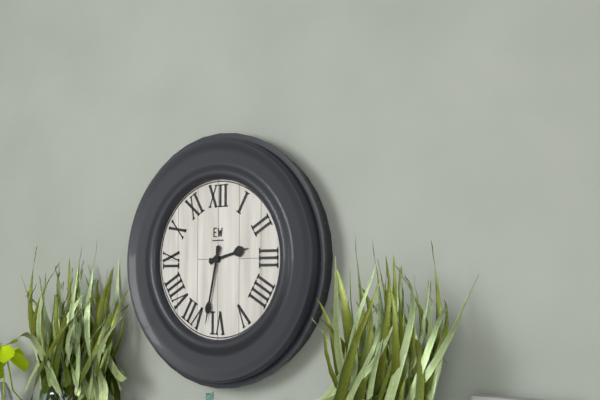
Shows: 2:32
